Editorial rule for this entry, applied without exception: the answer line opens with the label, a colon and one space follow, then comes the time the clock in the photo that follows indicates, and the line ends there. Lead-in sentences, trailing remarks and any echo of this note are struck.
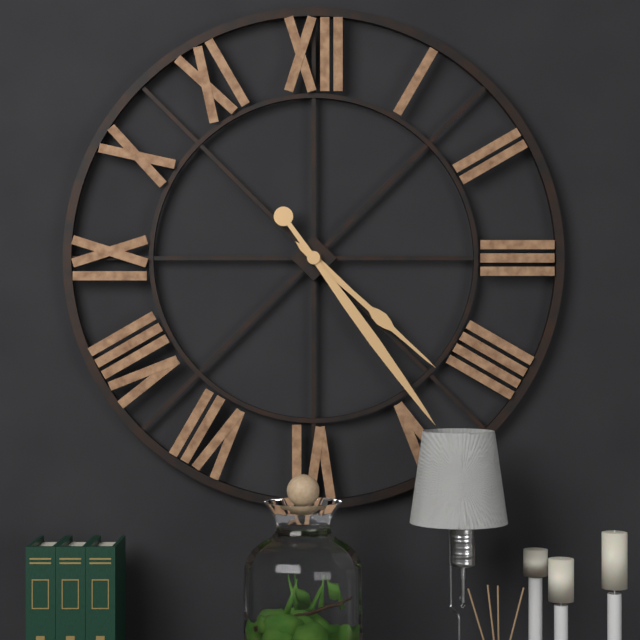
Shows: 4:24
